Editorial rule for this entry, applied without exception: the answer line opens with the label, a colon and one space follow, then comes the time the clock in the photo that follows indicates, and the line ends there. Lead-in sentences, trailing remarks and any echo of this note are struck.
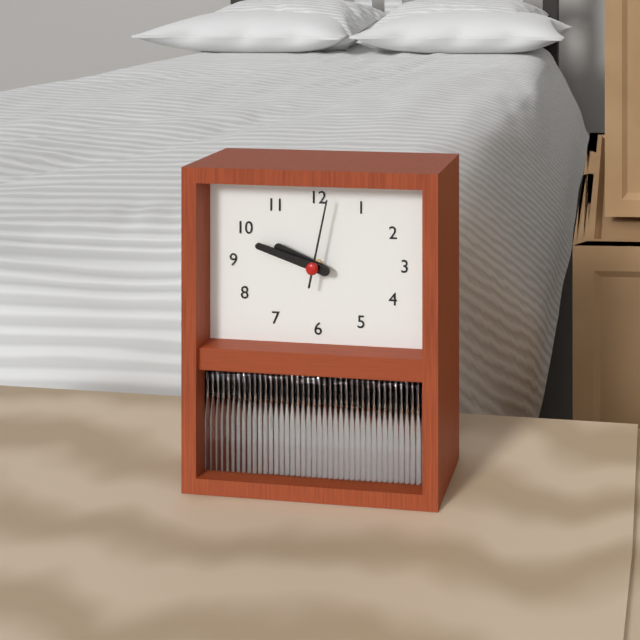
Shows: 9:48:02
